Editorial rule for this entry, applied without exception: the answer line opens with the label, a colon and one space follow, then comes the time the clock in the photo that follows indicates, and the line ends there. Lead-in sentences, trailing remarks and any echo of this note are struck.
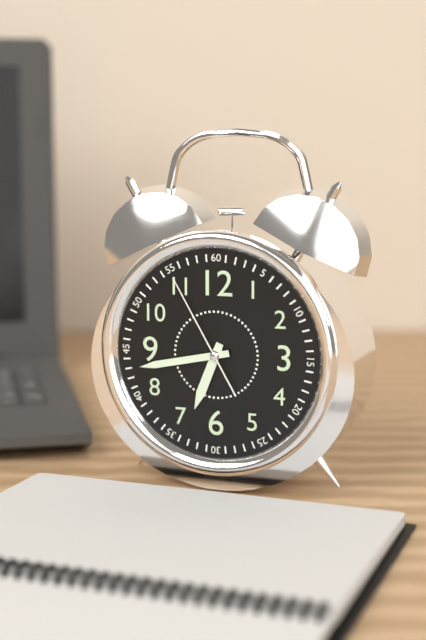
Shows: 6:43:55
